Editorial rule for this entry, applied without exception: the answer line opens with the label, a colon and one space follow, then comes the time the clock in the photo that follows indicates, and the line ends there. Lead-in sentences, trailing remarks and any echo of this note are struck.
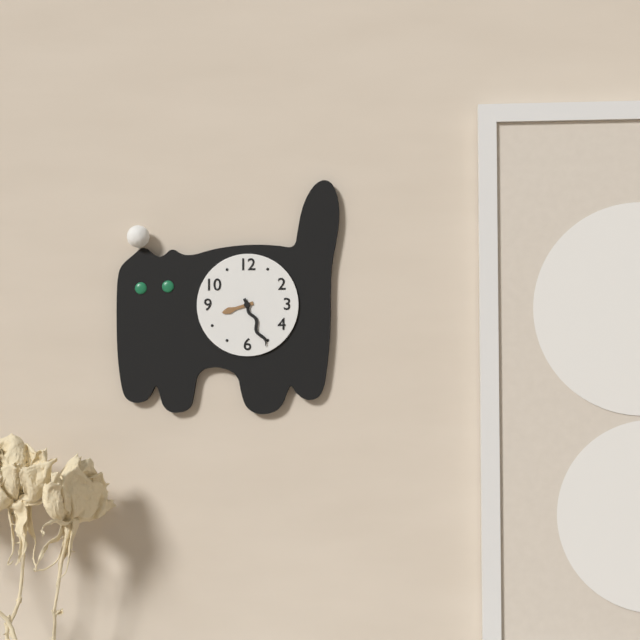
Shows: 8:26
